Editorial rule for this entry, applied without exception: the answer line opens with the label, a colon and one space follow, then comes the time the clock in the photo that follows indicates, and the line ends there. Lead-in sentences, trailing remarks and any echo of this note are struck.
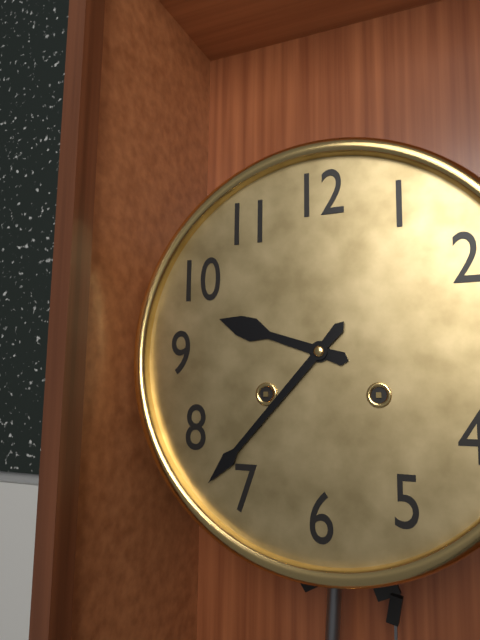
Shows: 9:37
